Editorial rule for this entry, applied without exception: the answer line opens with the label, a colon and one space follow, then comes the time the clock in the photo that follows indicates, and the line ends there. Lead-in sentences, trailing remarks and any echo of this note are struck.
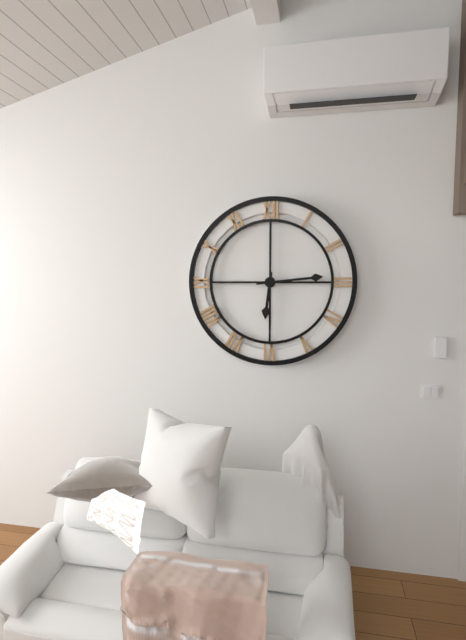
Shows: 6:14
